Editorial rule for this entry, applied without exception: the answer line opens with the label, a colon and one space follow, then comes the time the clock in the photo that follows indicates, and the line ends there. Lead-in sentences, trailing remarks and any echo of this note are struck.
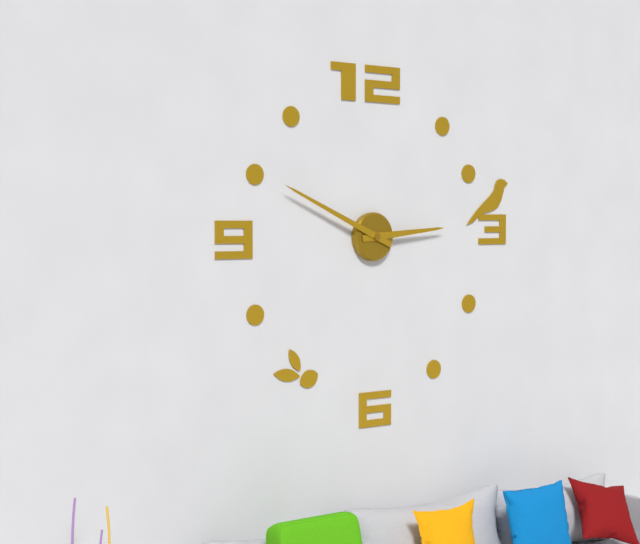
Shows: 2:49
